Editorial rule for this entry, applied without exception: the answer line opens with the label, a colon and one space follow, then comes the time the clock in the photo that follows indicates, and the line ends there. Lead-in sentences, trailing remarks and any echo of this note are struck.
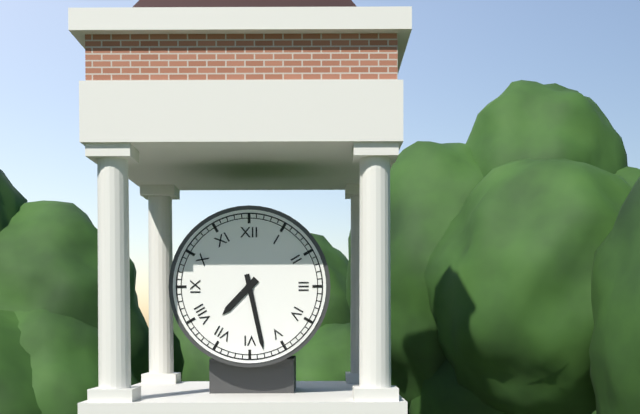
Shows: 7:28
